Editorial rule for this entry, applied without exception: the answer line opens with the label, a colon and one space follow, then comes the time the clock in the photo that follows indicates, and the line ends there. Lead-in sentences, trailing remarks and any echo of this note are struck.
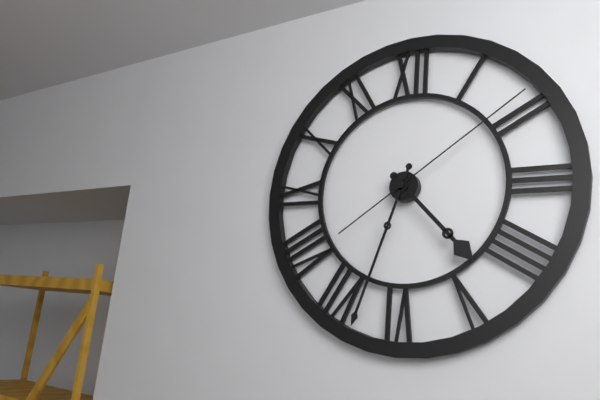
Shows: 4:33:09
